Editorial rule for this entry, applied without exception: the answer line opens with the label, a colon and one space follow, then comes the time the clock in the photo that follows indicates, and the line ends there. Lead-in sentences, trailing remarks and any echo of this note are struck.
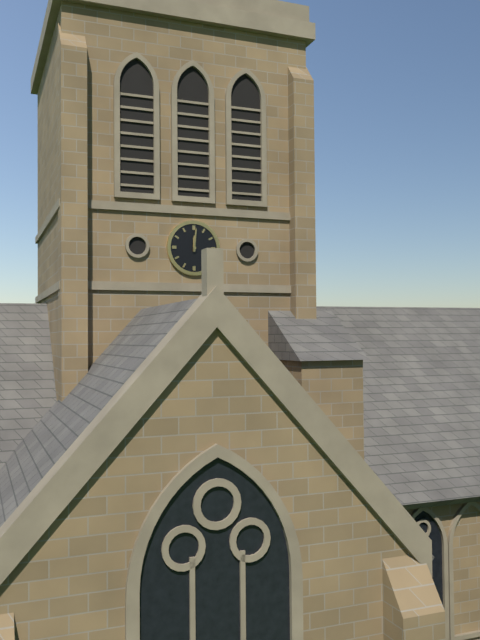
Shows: 12:01
